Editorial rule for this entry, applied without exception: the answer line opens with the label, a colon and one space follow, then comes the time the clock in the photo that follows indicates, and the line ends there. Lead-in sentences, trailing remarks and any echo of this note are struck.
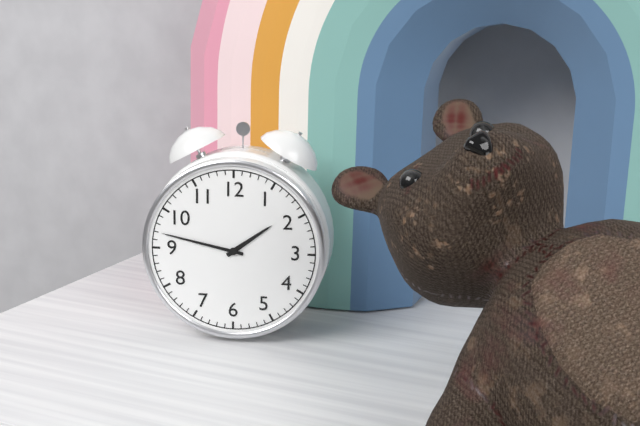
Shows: 1:47
